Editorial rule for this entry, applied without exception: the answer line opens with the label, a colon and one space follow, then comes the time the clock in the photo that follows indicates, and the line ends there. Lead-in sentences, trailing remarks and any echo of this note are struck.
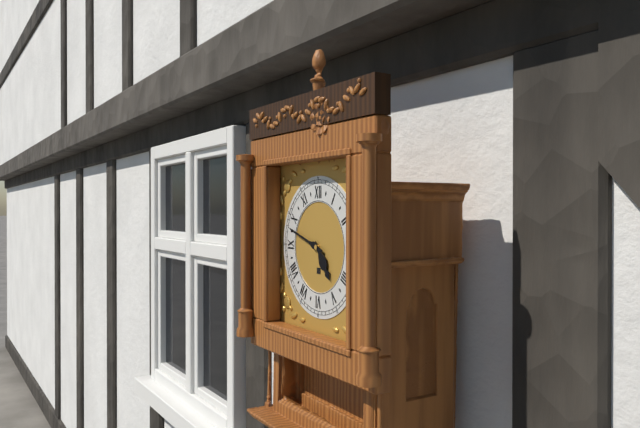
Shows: 4:48
